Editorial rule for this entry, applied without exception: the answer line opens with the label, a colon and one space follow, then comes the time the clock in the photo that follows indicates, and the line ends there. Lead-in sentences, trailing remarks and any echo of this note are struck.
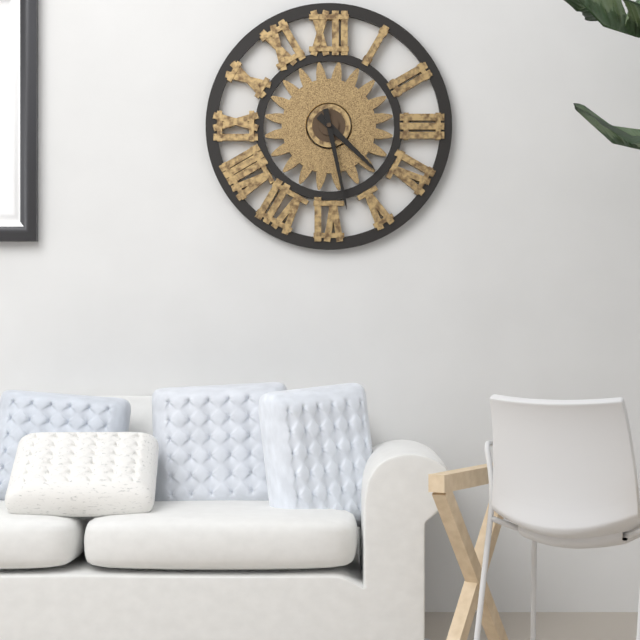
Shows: 4:28
